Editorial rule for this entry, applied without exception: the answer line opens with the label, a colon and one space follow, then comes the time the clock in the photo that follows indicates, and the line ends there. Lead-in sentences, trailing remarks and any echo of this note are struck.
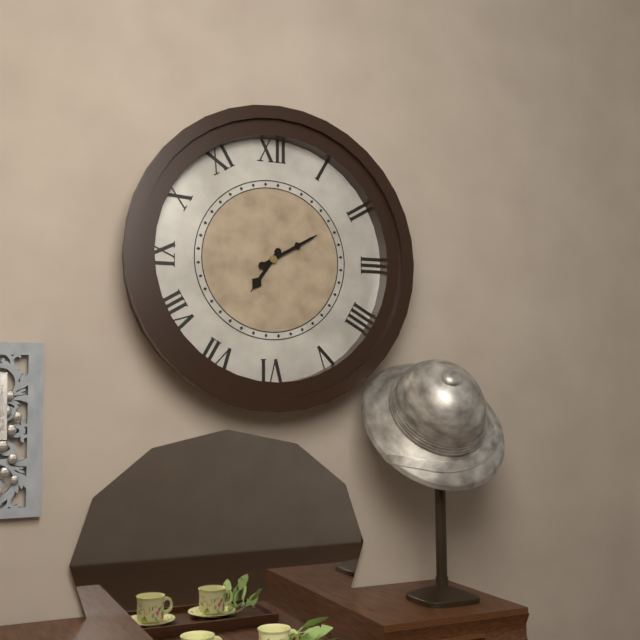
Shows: 7:10
